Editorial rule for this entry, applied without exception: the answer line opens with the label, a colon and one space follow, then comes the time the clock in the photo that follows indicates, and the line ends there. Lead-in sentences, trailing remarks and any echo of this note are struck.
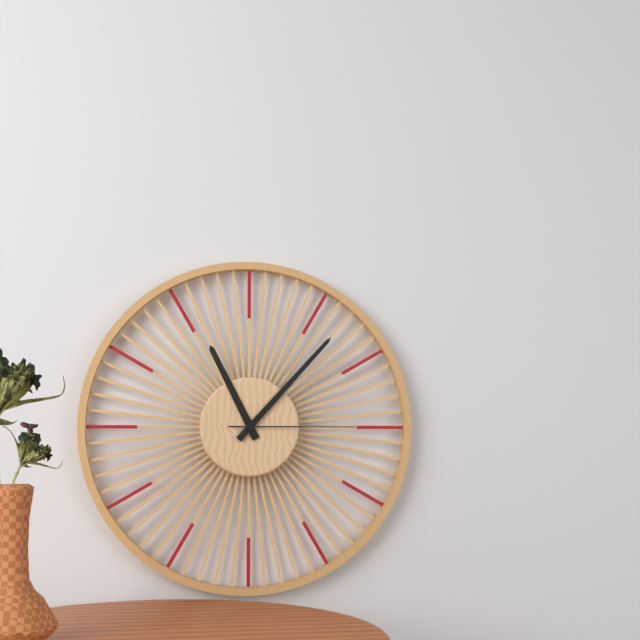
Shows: 11:07:15
